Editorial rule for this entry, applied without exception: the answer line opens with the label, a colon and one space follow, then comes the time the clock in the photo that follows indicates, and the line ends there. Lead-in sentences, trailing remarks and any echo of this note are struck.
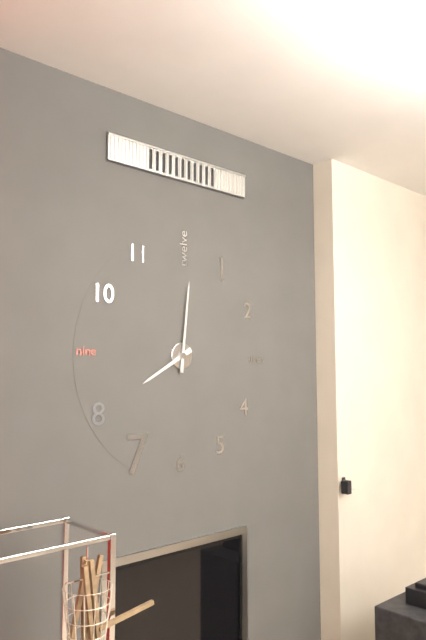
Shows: 8:01
